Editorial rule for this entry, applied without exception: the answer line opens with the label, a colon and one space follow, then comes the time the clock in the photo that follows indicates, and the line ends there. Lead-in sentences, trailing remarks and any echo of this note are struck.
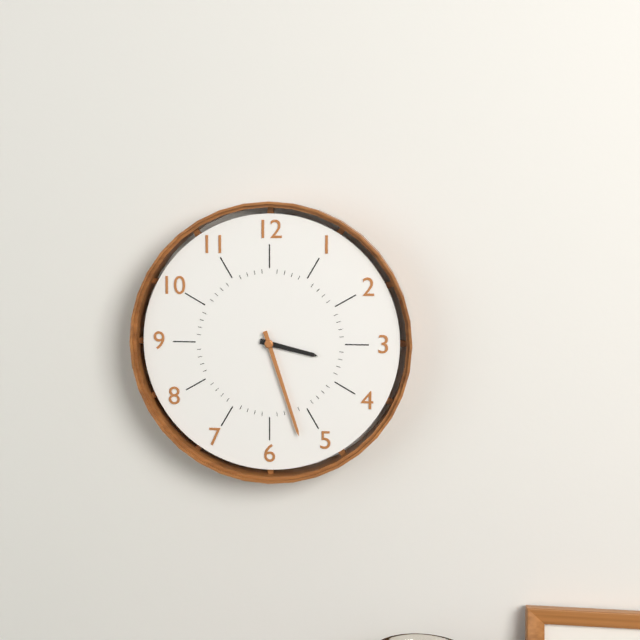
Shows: 3:27
